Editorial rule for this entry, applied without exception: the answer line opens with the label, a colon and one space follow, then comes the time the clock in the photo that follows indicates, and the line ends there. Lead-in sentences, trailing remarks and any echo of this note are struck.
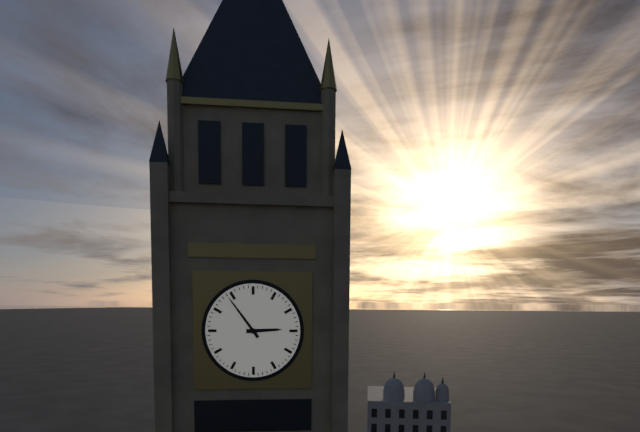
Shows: 2:54
